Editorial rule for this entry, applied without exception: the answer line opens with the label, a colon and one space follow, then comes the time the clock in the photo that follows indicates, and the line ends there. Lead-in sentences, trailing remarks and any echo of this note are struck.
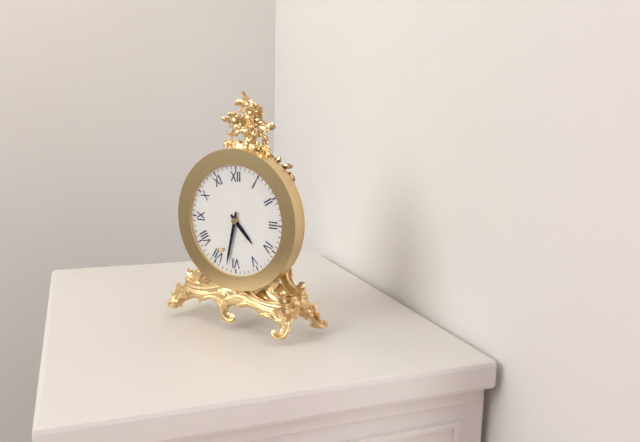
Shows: 4:32
